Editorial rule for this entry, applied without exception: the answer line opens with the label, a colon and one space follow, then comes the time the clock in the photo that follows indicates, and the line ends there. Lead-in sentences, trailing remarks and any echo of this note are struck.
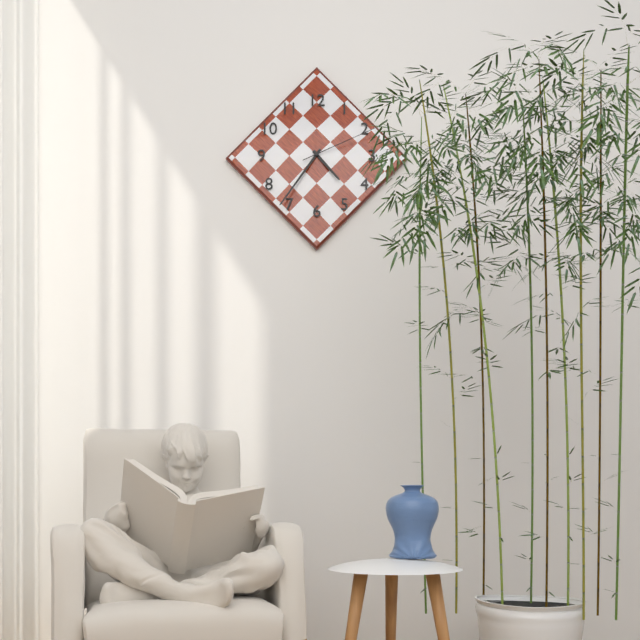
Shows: 4:36:11
